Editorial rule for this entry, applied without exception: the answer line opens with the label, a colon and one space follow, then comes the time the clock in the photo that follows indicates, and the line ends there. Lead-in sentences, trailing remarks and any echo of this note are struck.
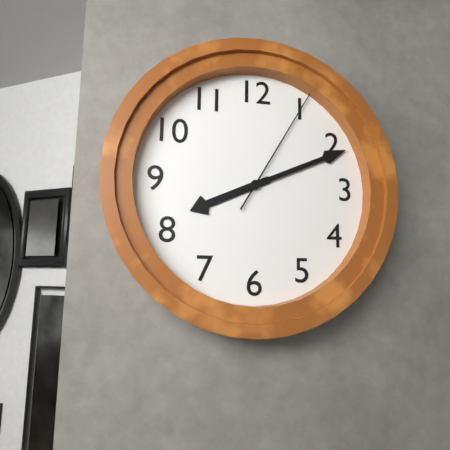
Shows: 8:11:05
